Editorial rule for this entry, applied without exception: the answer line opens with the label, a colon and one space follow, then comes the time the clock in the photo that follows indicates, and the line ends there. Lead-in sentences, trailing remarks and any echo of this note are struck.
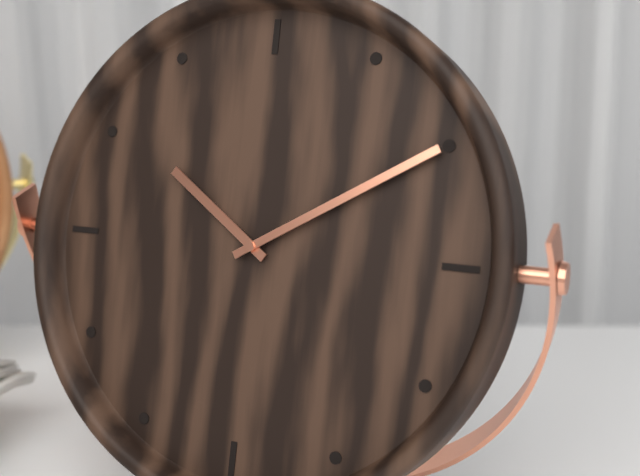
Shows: 10:10
